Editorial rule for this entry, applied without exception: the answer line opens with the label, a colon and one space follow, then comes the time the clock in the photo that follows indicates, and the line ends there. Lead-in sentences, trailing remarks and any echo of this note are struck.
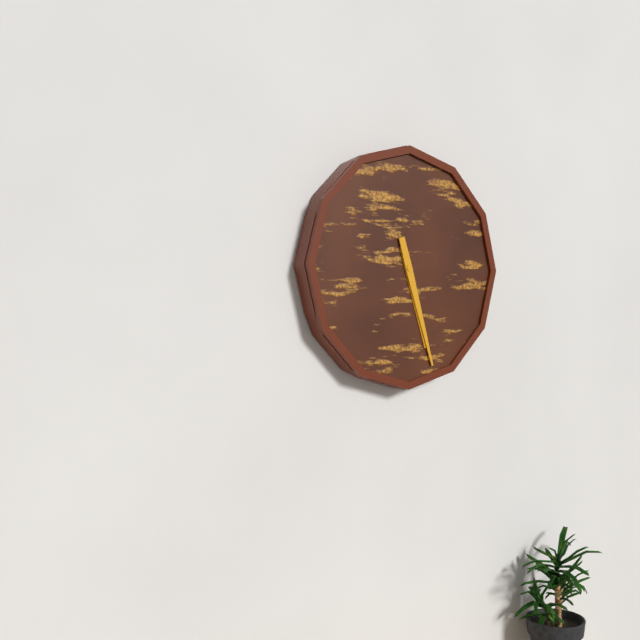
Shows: 5:27
